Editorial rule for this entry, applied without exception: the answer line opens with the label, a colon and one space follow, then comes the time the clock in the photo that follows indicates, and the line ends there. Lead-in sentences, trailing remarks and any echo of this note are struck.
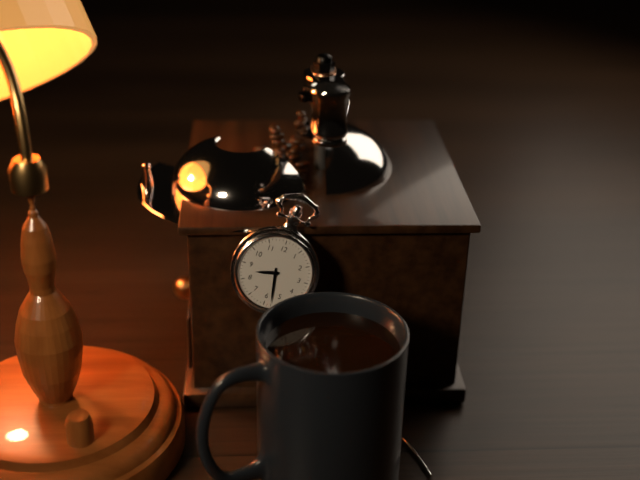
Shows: 8:28
